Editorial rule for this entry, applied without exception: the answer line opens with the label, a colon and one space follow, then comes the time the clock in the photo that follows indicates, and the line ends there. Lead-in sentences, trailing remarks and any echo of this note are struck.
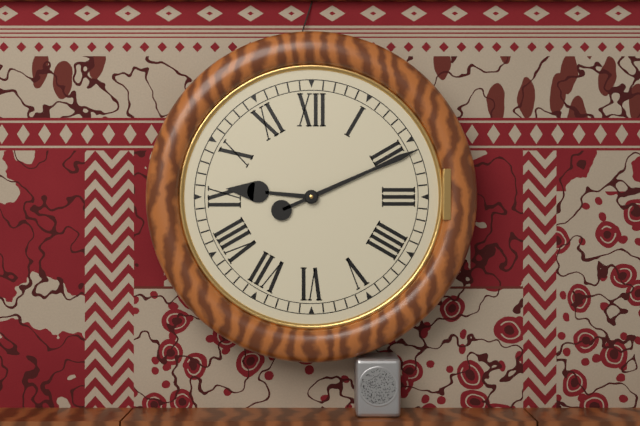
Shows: 9:11
